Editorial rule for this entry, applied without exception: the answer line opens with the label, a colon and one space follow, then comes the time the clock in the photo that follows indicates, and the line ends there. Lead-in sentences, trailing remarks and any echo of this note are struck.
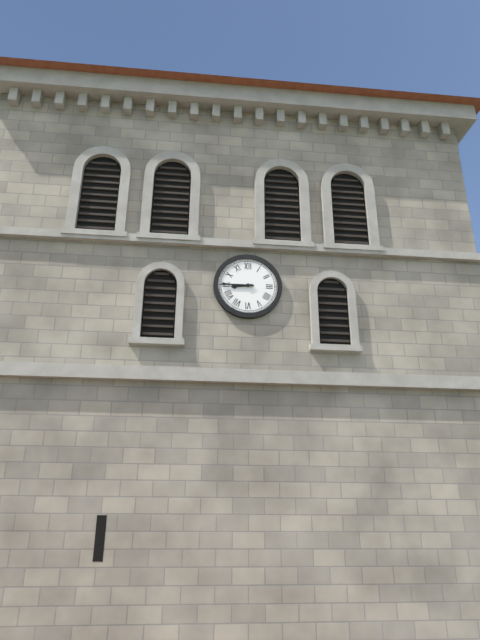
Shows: 8:45
